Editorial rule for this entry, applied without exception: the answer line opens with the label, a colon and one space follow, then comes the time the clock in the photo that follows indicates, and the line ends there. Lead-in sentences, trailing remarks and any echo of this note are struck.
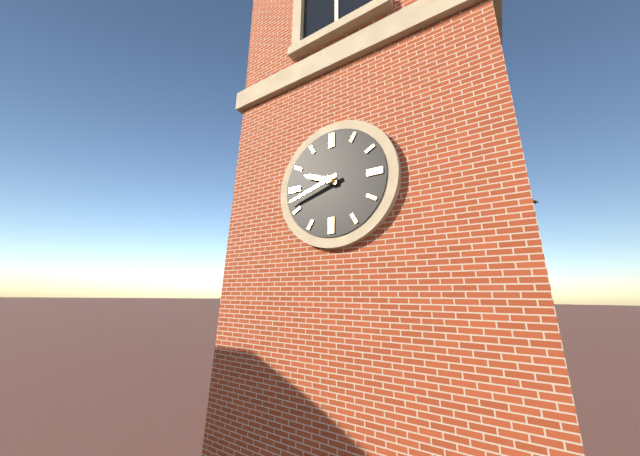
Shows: 9:42
